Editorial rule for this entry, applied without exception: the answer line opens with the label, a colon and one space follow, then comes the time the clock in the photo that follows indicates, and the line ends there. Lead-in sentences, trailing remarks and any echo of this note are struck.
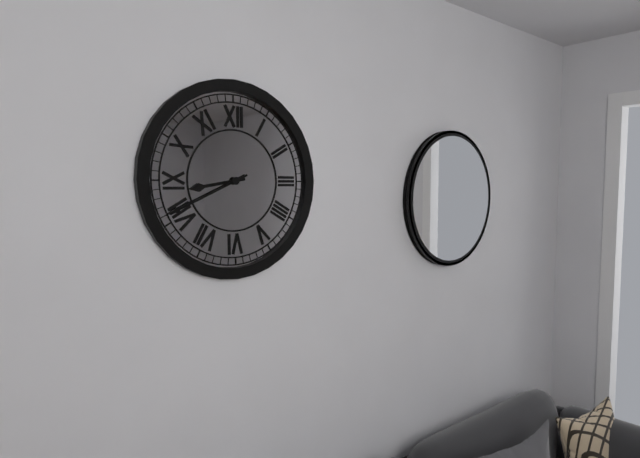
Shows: 8:41
